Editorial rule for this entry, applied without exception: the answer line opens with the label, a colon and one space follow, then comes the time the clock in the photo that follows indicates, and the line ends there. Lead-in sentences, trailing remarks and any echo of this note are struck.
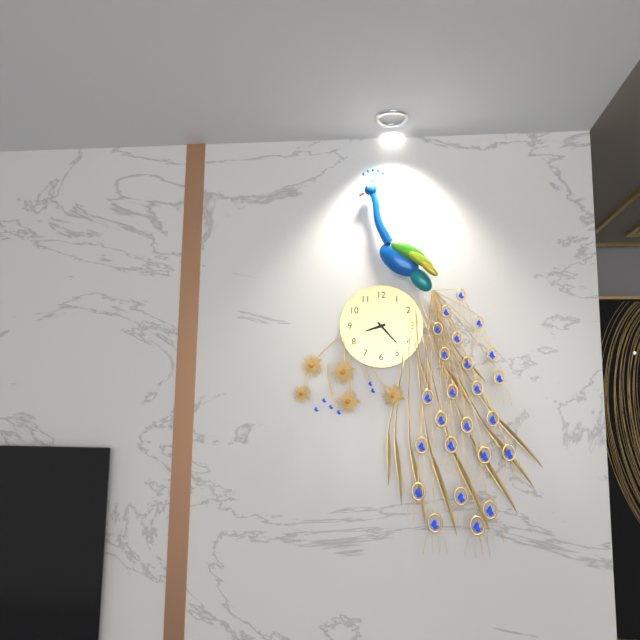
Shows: 8:23
